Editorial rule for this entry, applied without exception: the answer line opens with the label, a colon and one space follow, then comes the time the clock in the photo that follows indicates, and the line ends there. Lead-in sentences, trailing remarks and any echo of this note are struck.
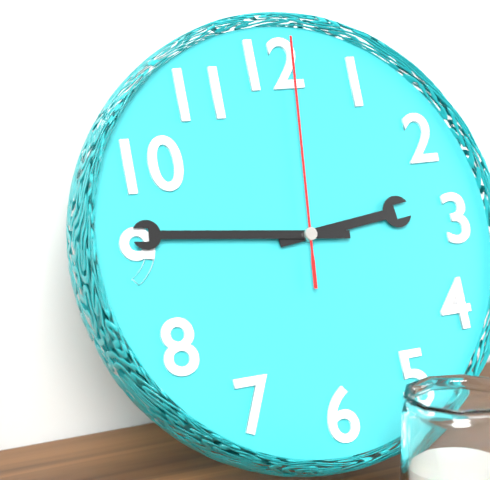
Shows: 2:46:01
